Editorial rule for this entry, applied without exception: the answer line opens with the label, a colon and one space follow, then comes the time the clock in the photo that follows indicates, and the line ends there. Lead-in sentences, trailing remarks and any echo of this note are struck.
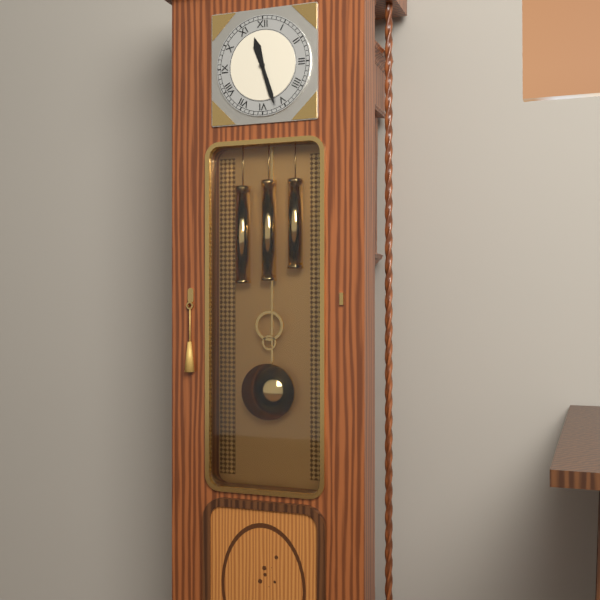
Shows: 11:27
